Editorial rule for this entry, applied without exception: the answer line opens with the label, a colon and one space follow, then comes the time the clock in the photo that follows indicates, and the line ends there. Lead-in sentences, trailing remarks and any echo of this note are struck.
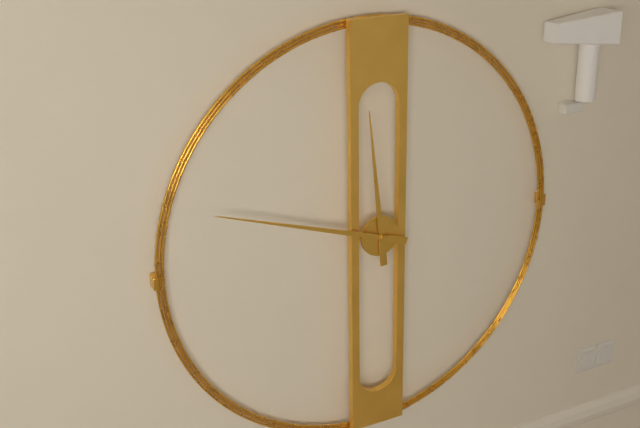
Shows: 11:48
